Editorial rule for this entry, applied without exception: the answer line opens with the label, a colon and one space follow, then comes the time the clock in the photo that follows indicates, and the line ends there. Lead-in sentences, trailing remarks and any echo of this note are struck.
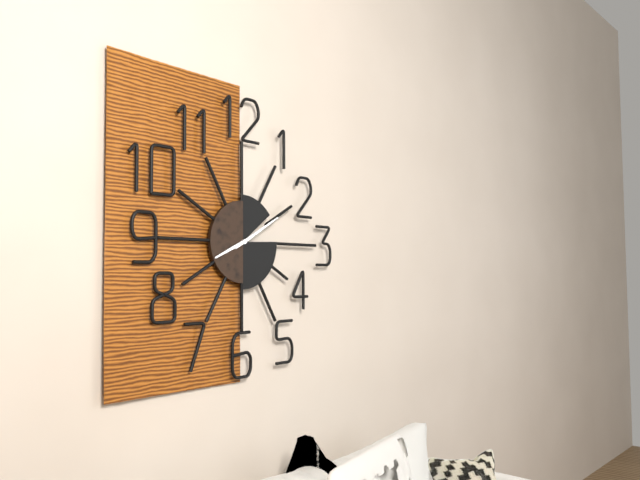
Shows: 8:10
